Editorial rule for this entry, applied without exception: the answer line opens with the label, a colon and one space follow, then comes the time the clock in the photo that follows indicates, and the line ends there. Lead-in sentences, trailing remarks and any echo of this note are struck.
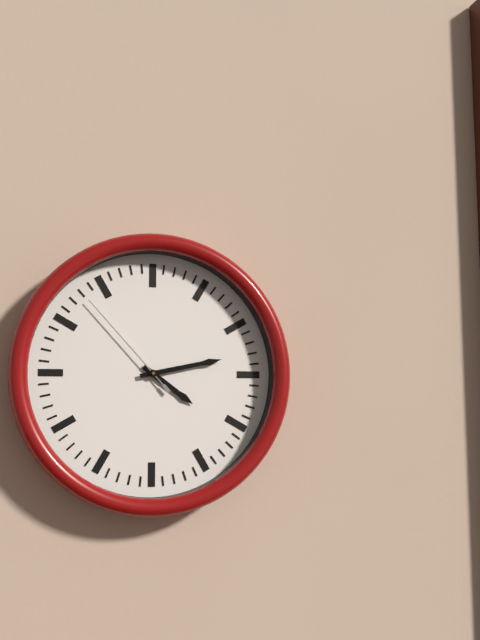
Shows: 4:13:53
